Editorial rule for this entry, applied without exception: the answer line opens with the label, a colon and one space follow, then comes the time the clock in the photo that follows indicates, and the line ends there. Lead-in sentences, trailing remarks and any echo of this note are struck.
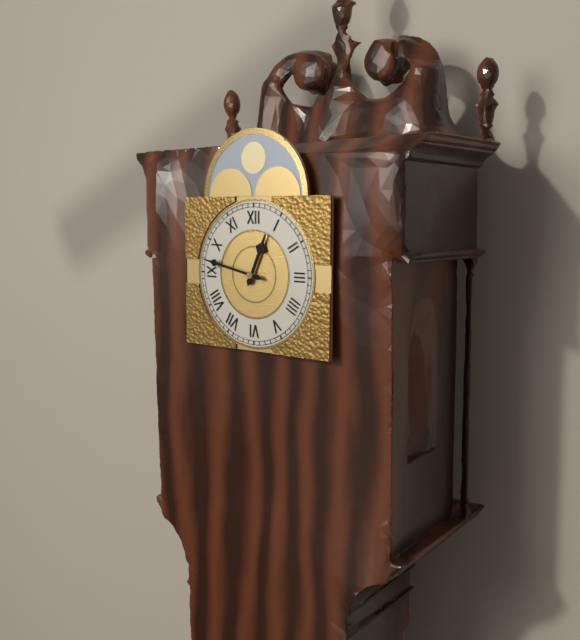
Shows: 12:47
